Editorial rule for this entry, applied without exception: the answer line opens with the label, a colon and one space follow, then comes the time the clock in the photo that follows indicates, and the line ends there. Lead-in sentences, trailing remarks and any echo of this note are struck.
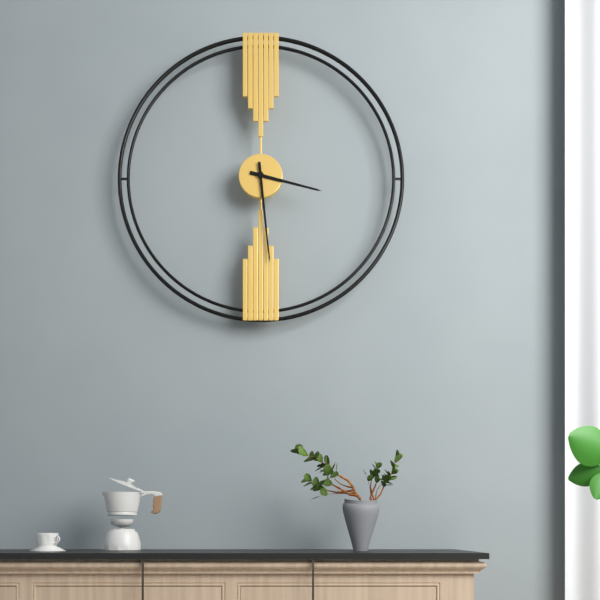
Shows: 3:29
